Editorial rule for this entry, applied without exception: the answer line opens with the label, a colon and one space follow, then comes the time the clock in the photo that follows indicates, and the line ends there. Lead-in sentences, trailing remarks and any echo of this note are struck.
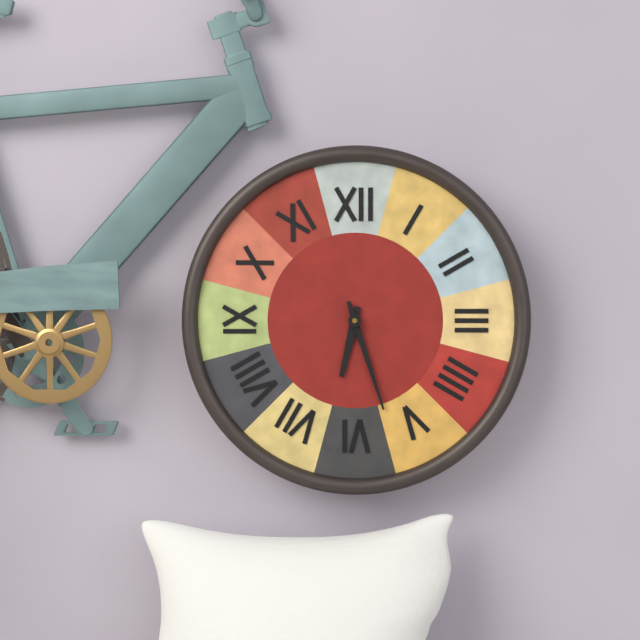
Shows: 6:27
